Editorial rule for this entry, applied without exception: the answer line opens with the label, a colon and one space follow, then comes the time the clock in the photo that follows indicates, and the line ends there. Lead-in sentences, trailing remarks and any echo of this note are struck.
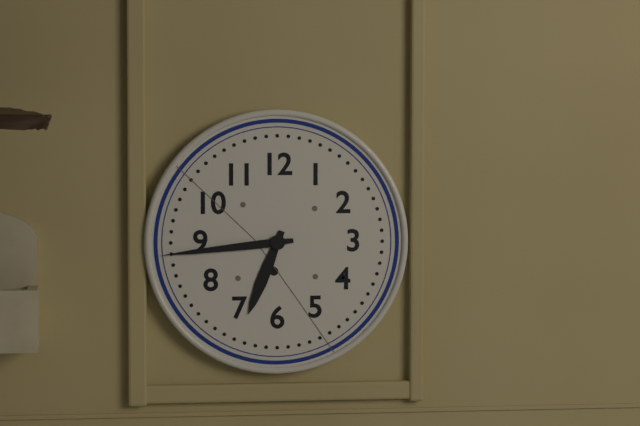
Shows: 6:44
